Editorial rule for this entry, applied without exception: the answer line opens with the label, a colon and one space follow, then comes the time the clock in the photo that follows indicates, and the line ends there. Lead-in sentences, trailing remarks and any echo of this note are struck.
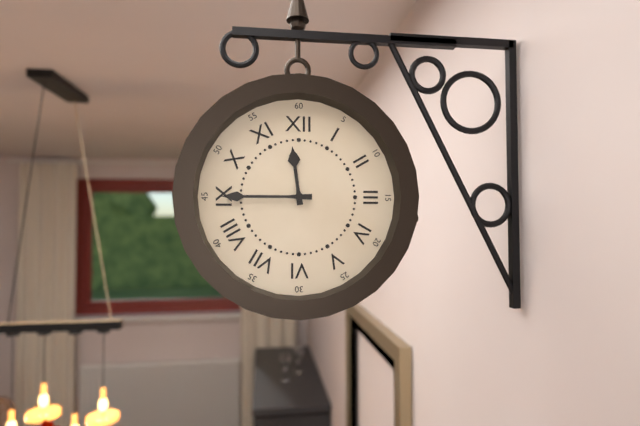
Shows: 11:45
